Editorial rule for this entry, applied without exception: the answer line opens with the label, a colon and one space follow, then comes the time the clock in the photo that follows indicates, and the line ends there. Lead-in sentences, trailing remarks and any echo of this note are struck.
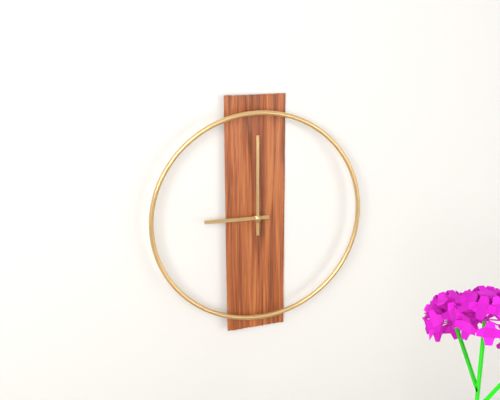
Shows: 9:00
